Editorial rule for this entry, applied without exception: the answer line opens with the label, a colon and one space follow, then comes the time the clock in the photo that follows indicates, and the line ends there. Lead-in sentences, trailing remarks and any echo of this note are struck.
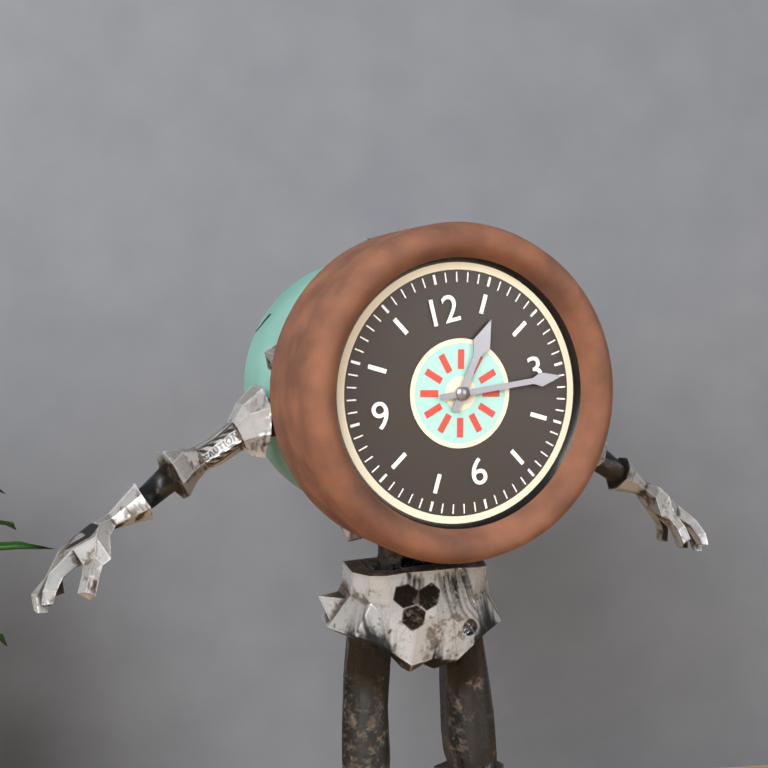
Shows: 1:16
